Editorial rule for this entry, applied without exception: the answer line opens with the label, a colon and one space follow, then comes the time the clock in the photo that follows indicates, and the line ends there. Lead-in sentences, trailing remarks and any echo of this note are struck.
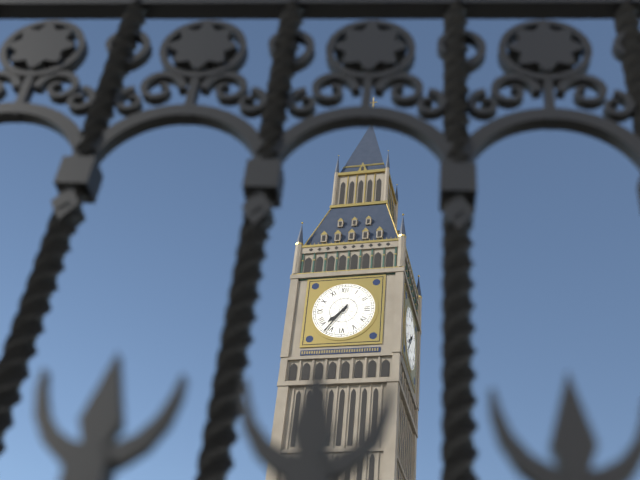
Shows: 7:36
